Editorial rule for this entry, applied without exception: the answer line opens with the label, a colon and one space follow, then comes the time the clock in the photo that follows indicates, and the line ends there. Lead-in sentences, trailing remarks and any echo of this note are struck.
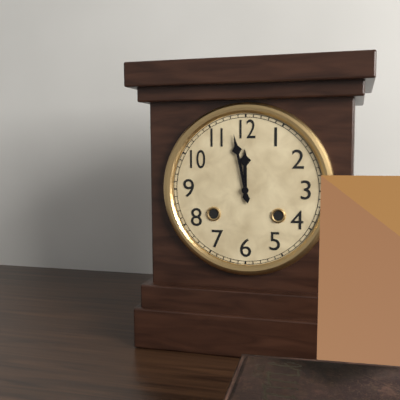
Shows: 11:58
